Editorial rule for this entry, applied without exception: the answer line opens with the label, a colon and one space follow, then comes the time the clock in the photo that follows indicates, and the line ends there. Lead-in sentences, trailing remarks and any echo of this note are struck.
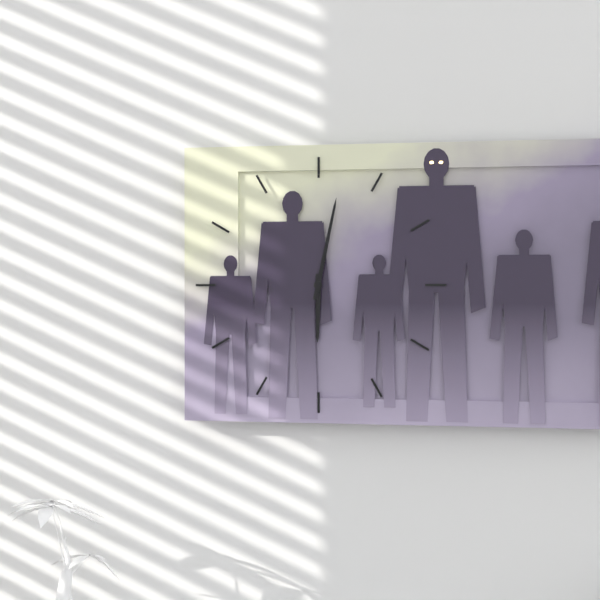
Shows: 6:02
